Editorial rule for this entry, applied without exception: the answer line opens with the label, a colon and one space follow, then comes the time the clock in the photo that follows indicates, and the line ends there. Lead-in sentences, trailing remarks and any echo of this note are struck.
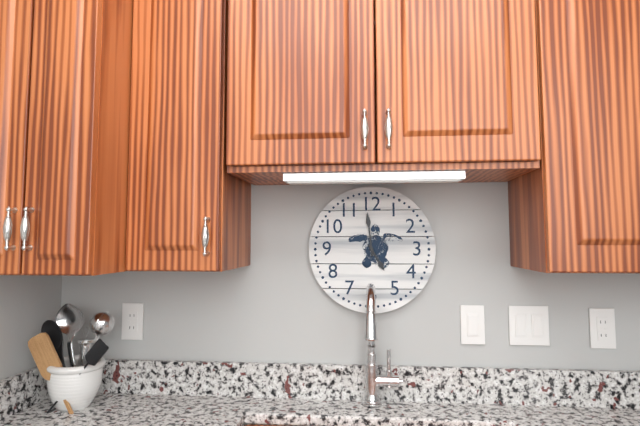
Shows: 4:59
